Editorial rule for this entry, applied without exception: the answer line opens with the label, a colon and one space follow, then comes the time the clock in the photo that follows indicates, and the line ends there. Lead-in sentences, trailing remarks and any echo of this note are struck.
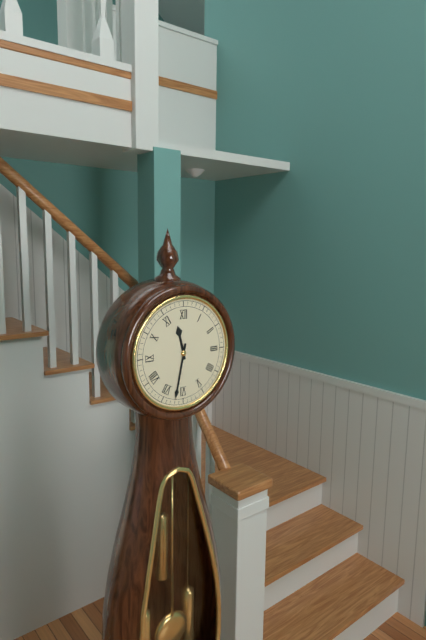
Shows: 11:32
